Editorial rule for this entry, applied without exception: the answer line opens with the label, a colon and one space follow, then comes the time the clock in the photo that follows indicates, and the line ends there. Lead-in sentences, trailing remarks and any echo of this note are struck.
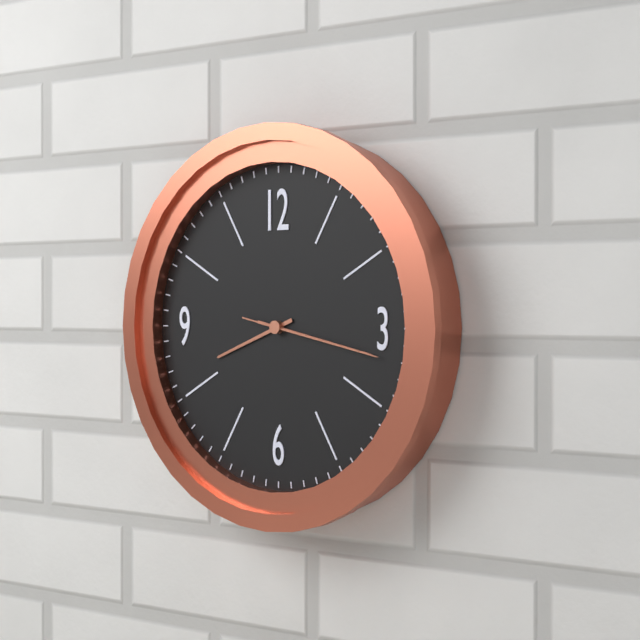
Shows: 8:17:17
